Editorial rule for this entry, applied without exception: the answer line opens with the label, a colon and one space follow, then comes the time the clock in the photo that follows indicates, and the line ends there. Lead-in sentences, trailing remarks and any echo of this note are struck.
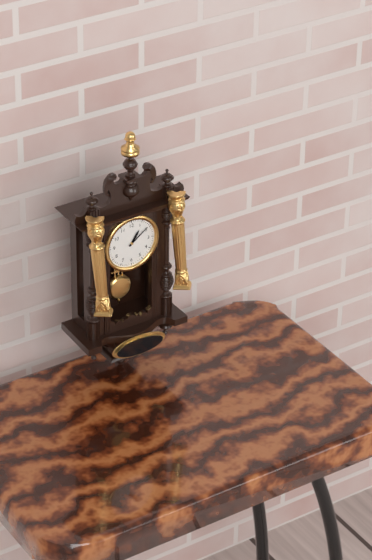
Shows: 1:09
